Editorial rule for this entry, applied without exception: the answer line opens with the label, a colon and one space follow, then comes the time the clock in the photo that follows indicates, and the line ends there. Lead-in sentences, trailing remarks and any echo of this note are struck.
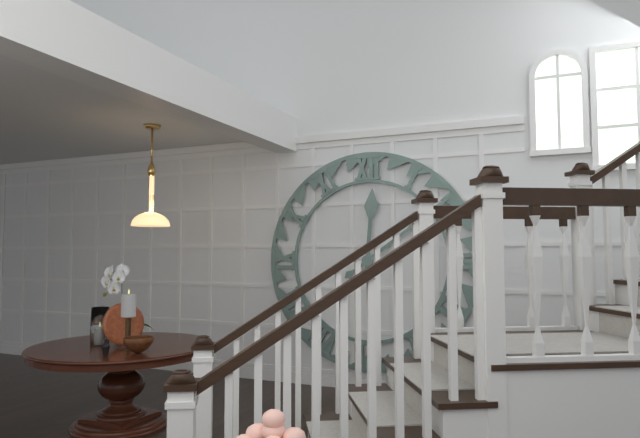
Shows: 12:09
